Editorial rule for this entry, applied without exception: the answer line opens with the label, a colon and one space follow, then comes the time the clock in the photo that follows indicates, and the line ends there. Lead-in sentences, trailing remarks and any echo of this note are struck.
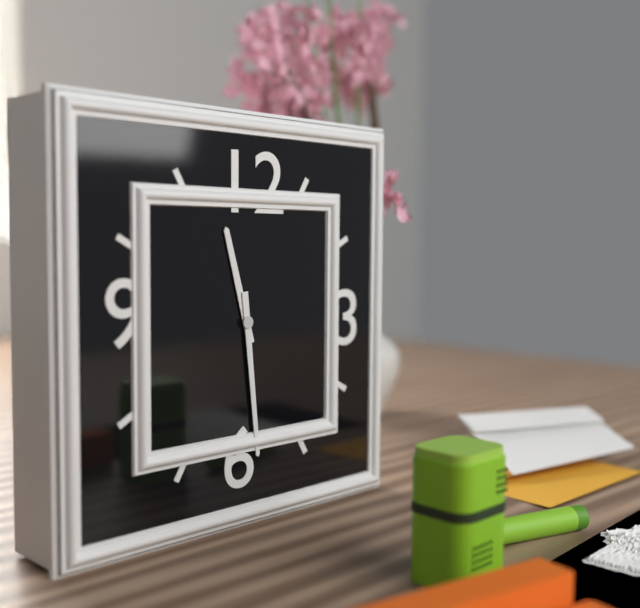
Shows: 11:29
